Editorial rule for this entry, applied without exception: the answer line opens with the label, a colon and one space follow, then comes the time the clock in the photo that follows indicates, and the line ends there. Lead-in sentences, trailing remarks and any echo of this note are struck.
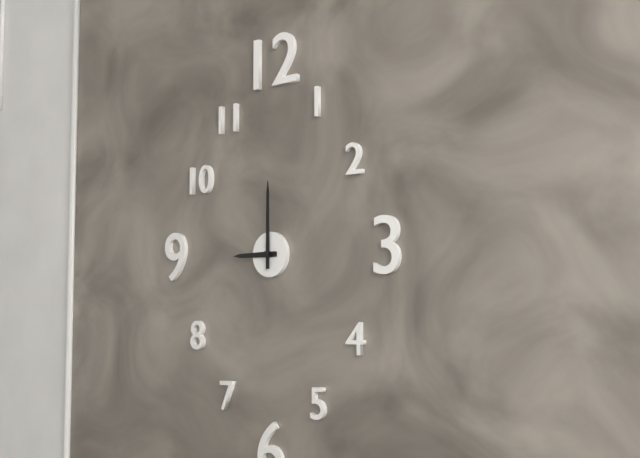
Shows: 9:00
